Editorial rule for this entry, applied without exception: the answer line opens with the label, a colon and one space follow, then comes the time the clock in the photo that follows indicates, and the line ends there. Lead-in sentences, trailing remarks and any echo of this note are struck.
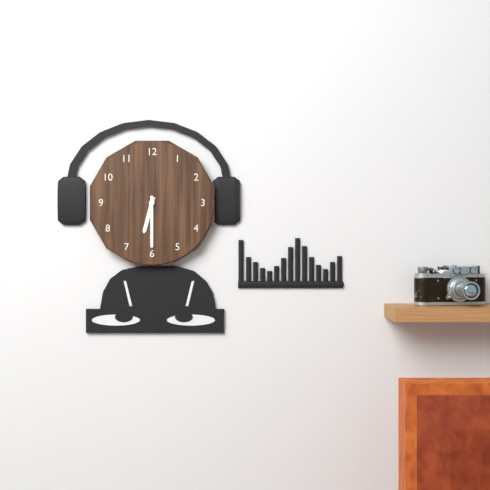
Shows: 6:30
